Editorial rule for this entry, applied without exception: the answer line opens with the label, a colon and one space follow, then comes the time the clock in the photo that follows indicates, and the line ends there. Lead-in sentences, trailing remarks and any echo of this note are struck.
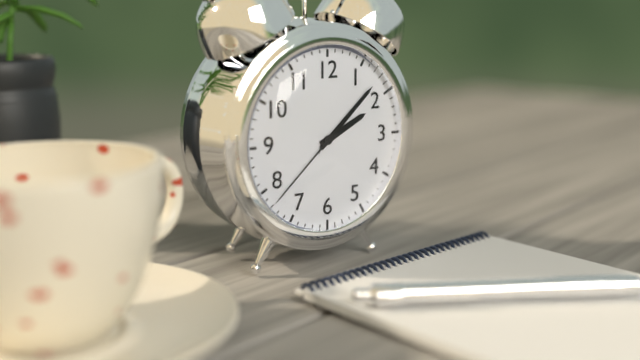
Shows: 2:08:38
